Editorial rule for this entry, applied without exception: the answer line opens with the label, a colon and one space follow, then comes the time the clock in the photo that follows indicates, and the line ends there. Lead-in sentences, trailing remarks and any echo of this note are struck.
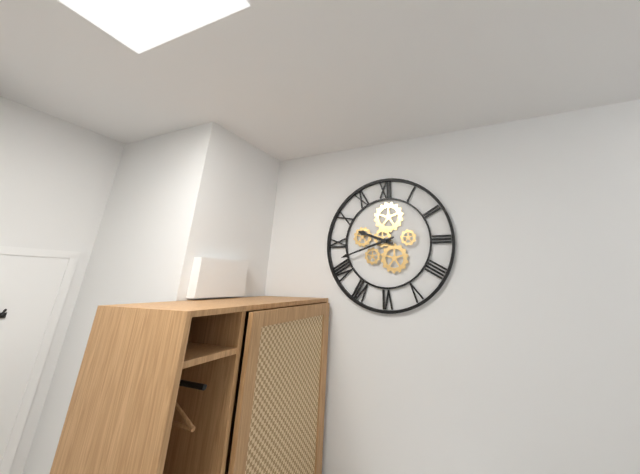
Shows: 9:42
